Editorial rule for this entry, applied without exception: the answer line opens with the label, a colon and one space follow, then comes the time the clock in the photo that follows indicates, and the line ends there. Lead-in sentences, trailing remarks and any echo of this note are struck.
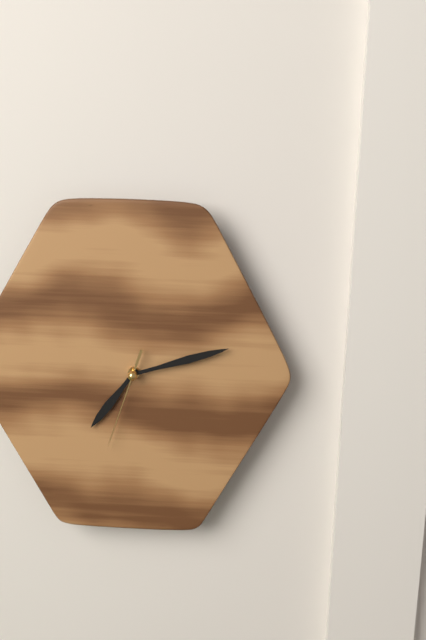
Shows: 7:12:33
